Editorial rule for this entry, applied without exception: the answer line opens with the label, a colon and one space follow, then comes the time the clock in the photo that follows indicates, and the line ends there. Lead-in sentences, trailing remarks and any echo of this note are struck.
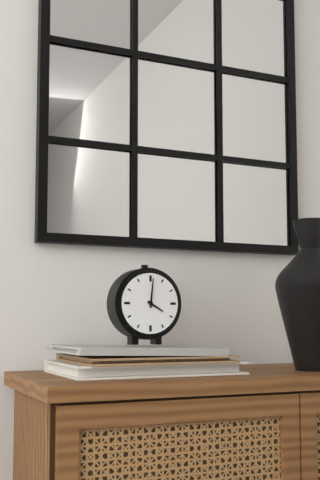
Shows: 4:01
